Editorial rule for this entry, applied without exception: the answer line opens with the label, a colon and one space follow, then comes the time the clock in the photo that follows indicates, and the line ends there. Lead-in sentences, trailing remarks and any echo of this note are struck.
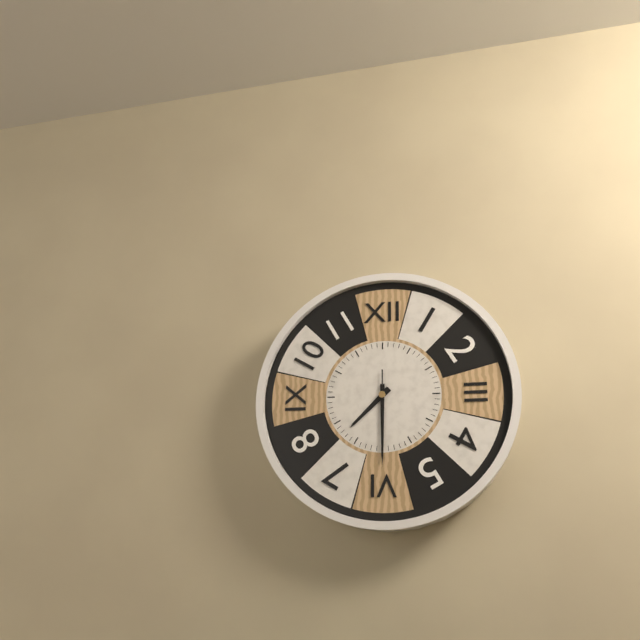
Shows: 7:30:30
